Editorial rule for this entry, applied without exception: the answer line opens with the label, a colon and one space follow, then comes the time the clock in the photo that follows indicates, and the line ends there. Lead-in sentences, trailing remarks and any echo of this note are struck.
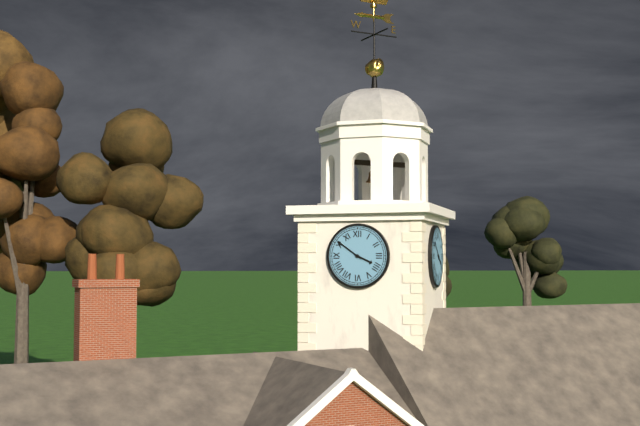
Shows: 3:51
